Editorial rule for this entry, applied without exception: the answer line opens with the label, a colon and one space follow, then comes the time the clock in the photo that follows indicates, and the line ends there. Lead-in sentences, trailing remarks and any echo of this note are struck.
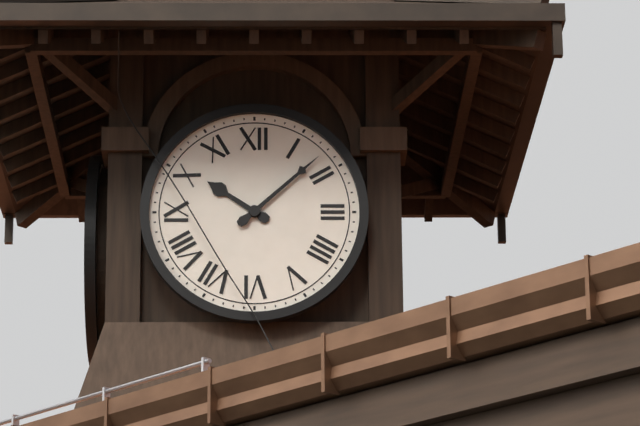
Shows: 10:08
